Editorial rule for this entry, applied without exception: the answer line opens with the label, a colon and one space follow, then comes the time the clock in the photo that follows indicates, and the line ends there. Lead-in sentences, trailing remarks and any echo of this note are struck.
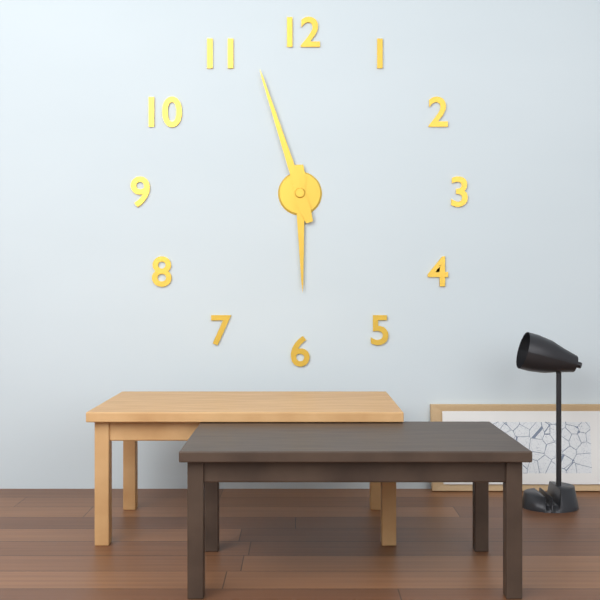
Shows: 5:57
